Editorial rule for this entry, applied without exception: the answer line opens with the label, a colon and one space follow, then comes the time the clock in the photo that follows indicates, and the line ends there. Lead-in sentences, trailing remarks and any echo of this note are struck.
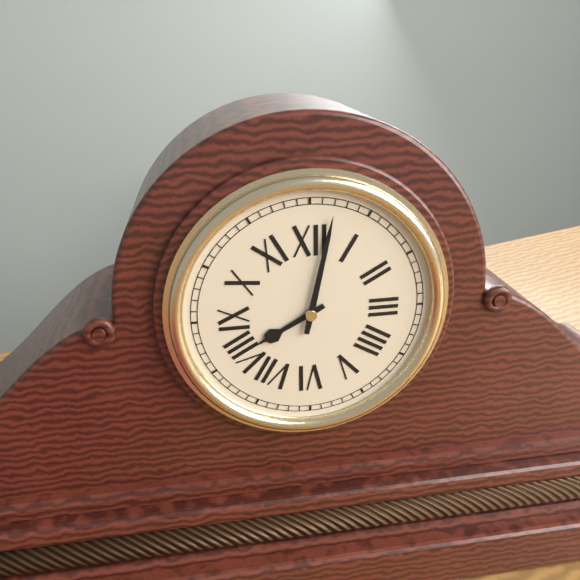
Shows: 8:02
